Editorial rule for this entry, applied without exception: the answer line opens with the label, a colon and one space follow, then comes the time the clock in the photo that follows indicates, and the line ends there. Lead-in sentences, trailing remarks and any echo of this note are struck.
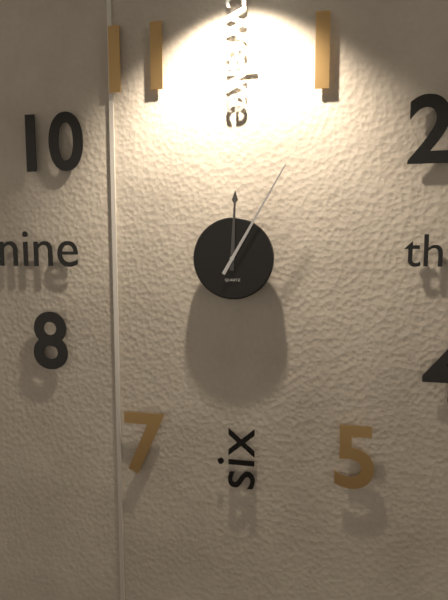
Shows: 12:05
